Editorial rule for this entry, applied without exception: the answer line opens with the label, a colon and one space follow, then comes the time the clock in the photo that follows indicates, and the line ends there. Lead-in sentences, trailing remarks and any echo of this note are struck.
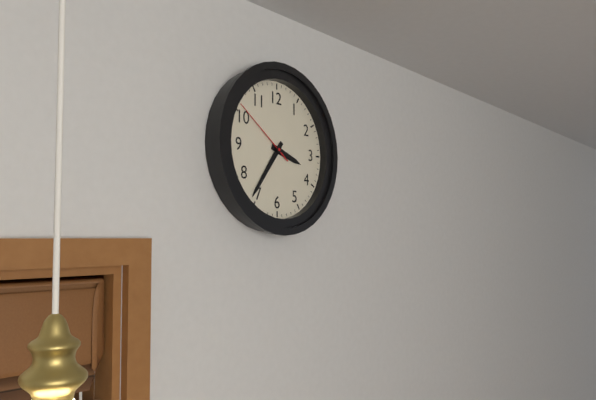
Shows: 3:36:51
